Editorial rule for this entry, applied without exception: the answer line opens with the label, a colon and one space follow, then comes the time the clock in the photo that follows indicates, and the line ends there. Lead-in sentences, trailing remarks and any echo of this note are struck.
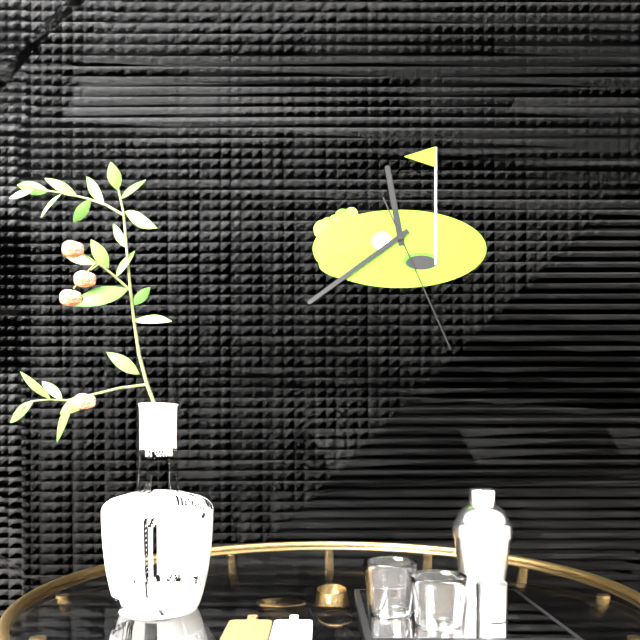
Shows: 11:39:26
